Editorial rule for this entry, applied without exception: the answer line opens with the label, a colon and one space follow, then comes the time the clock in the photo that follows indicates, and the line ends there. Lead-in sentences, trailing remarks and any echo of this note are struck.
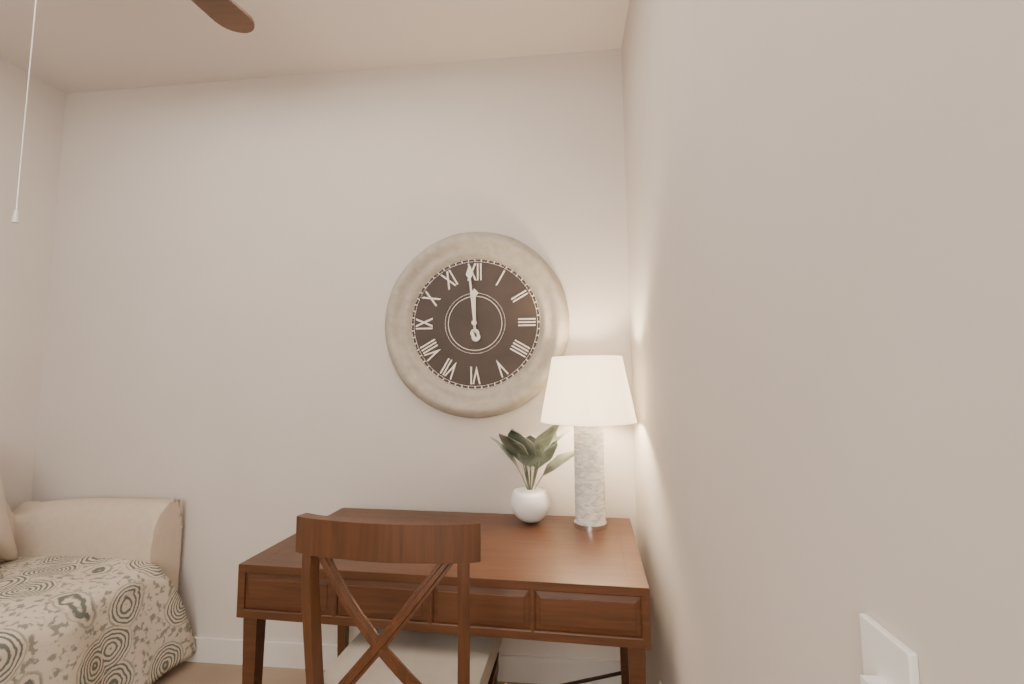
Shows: 11:59
